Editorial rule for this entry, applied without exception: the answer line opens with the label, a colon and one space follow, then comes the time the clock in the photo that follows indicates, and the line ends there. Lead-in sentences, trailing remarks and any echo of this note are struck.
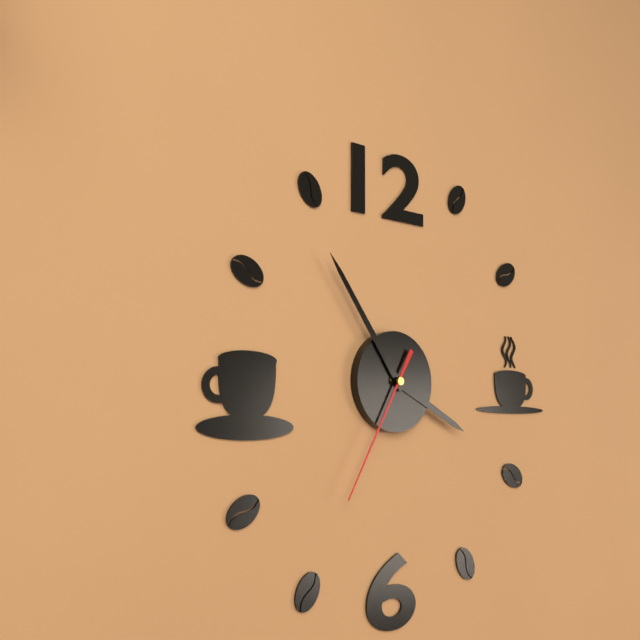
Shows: 3:54:35
